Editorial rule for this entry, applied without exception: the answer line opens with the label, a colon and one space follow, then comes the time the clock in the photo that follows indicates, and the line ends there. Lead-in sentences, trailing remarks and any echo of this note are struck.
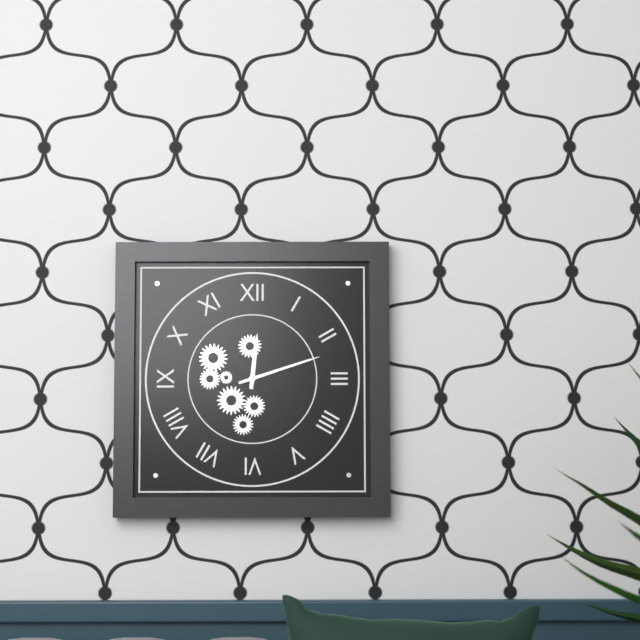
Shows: 12:12
